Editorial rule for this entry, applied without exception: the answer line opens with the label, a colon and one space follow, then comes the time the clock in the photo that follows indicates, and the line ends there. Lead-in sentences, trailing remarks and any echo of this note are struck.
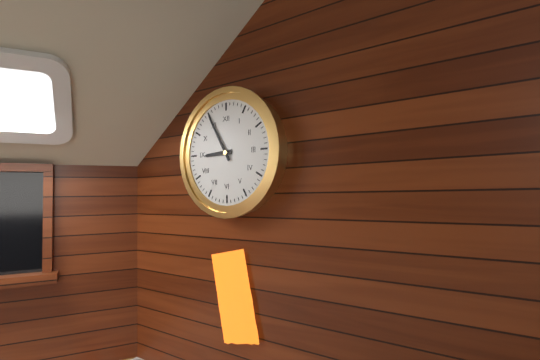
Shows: 8:55
